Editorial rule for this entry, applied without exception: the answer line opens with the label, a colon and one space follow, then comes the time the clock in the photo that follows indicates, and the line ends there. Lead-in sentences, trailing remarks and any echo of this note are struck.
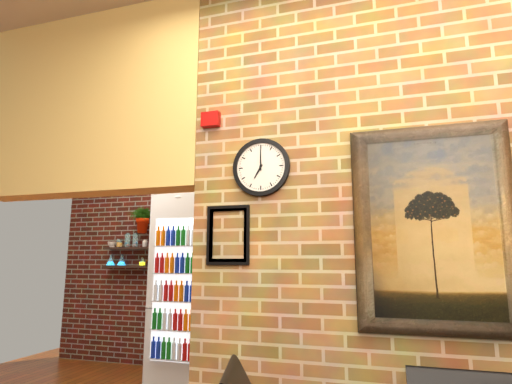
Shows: 7:00
